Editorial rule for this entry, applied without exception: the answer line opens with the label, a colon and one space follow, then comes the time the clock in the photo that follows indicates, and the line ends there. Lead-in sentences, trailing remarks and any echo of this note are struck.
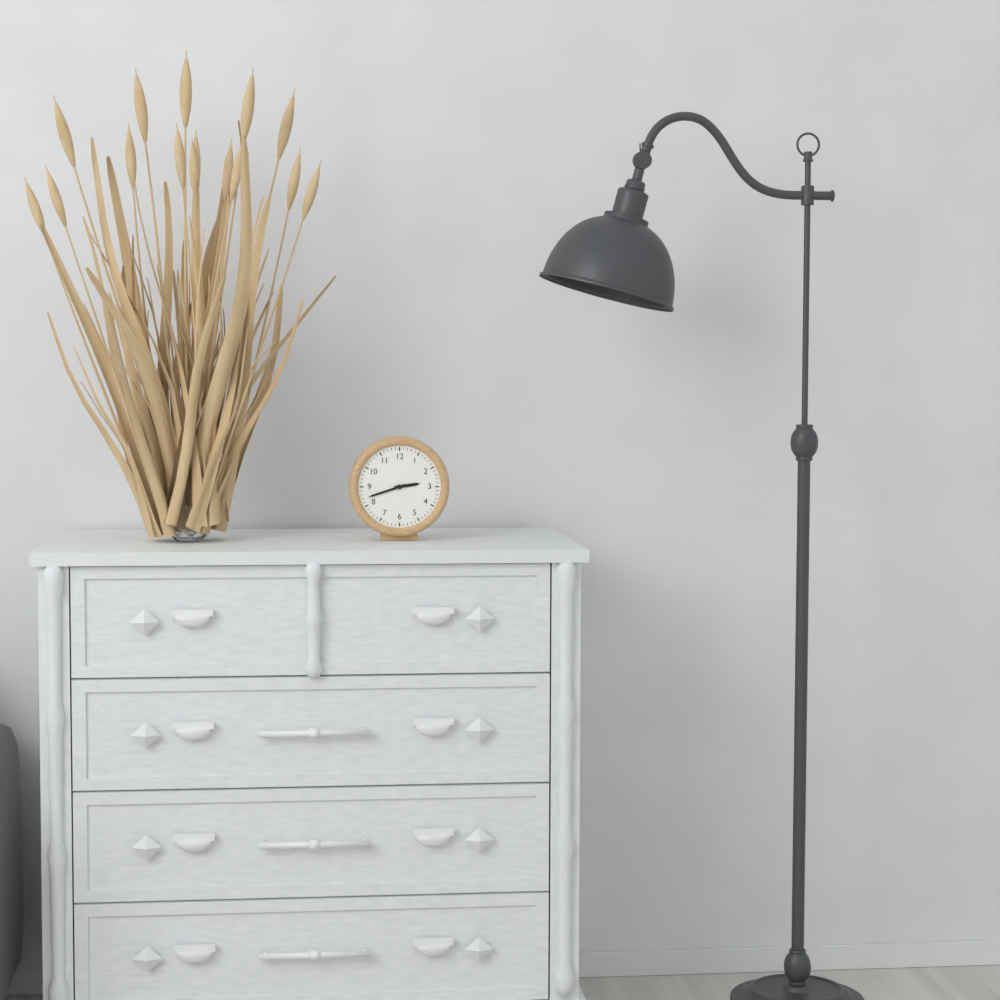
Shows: 2:42
